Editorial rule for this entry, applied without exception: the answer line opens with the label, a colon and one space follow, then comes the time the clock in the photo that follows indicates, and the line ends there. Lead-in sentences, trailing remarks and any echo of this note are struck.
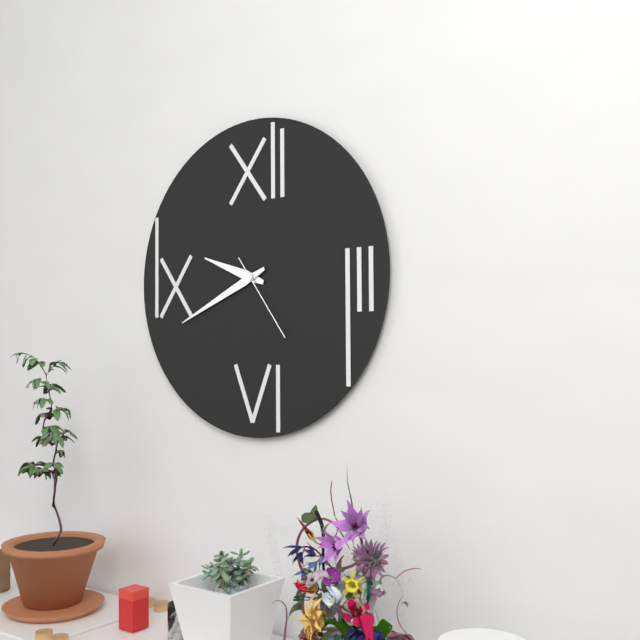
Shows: 9:41:24
